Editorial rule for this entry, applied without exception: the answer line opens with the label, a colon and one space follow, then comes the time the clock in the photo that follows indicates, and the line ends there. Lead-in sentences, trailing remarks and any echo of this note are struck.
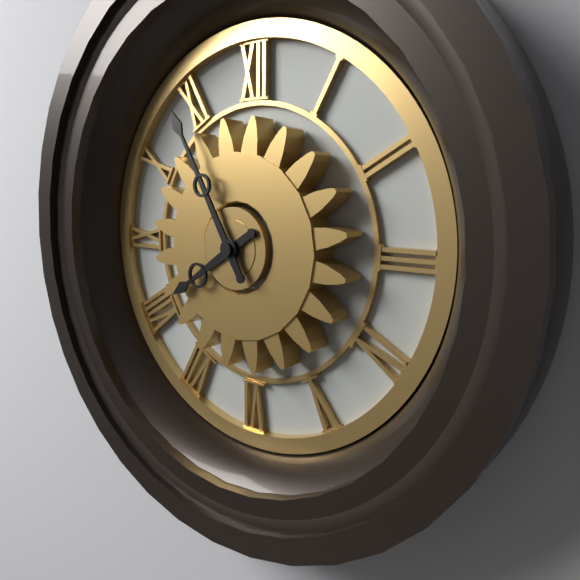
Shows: 7:55
